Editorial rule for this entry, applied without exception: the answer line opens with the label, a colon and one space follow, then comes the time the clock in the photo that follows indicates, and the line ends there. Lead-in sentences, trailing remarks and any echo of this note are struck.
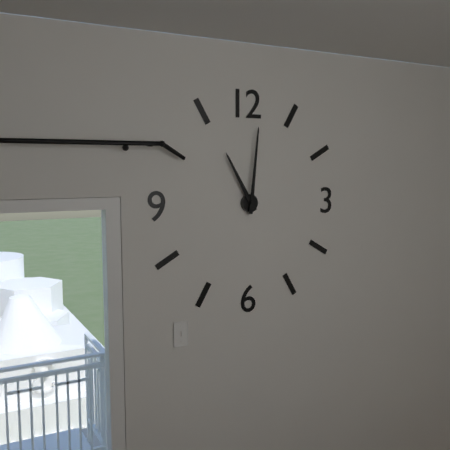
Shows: 11:01
